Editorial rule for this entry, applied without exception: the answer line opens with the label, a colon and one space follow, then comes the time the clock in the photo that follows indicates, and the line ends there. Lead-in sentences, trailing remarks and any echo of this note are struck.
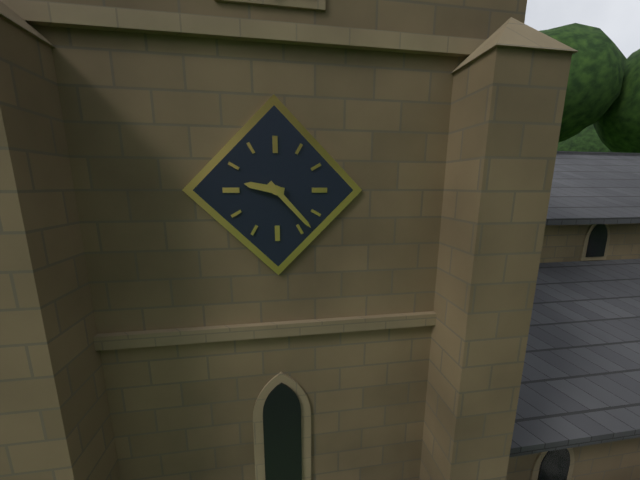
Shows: 9:23
